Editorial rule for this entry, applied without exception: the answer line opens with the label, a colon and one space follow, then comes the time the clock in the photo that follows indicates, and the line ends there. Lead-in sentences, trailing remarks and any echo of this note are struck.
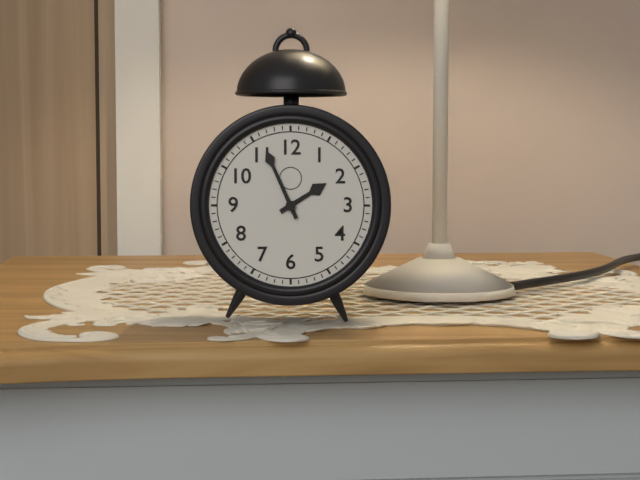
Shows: 1:56
